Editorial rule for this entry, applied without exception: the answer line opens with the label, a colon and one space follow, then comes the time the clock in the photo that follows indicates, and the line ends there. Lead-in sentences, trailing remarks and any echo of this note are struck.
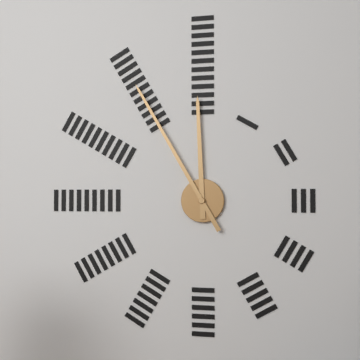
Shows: 11:55
